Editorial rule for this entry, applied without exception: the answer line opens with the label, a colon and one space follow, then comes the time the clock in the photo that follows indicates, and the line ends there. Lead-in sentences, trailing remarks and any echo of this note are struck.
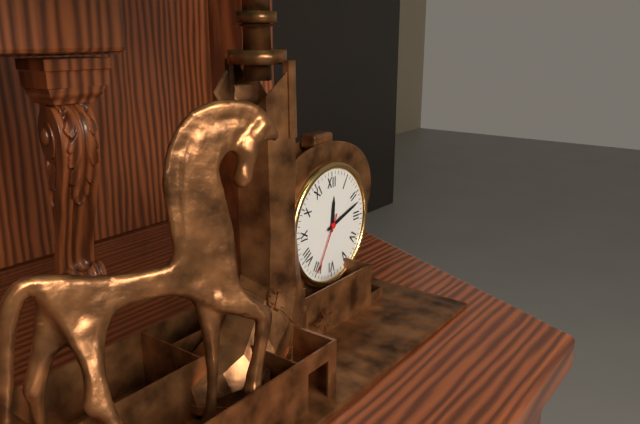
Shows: 12:12:35
